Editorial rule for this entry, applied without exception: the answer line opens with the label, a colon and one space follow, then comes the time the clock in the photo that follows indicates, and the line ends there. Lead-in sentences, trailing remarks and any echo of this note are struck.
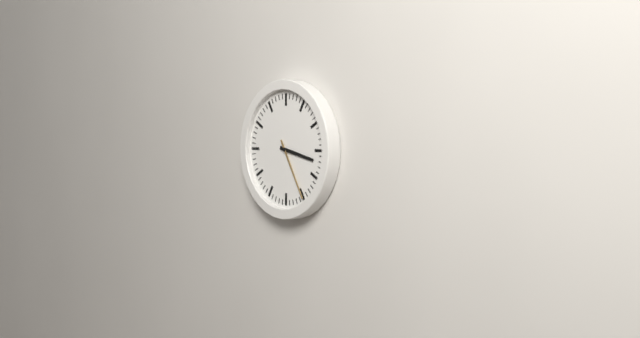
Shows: 3:25
